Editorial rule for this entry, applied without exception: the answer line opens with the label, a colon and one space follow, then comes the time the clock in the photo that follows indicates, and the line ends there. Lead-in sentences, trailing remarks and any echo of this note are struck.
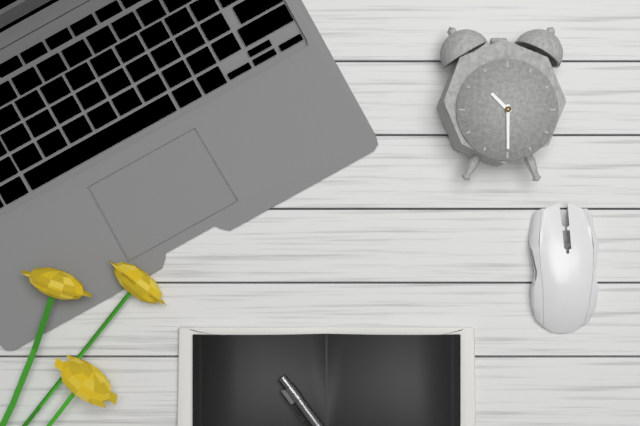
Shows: 10:30
